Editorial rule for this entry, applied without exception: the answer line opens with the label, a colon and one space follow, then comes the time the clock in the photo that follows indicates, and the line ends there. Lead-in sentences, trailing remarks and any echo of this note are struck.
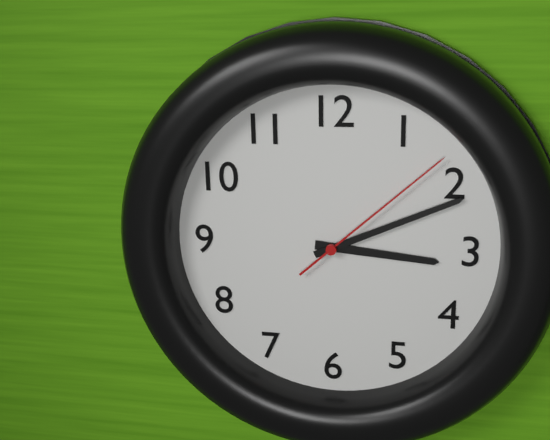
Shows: 3:11:08
